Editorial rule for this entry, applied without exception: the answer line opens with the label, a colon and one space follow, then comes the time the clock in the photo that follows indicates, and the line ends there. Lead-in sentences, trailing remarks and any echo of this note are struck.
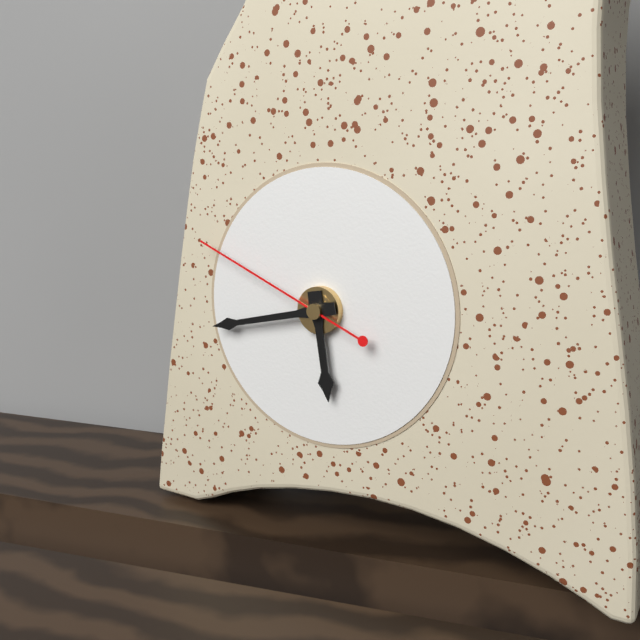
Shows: 5:43:49
